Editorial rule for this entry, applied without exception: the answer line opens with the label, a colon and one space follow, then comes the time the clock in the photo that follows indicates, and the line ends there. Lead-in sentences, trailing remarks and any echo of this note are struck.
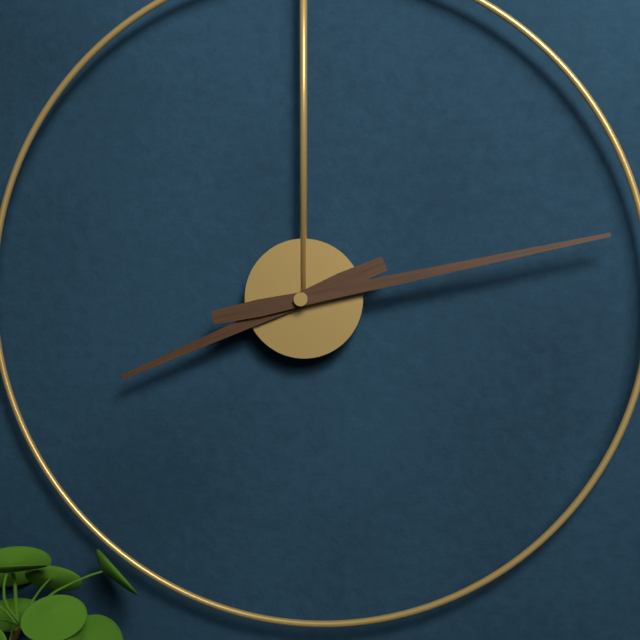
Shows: 8:13
